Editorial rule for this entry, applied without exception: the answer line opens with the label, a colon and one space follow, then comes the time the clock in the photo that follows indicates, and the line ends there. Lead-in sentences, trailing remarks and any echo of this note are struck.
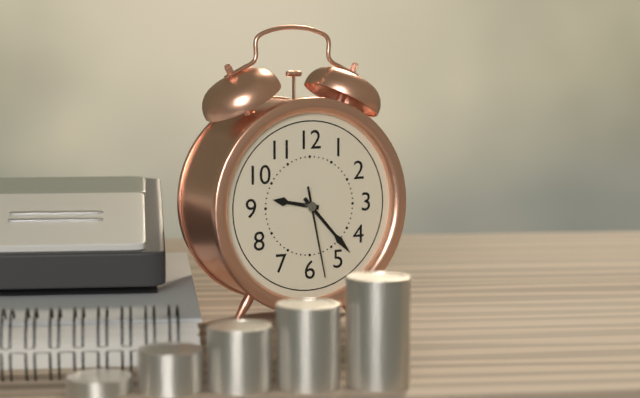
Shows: 9:23:28
